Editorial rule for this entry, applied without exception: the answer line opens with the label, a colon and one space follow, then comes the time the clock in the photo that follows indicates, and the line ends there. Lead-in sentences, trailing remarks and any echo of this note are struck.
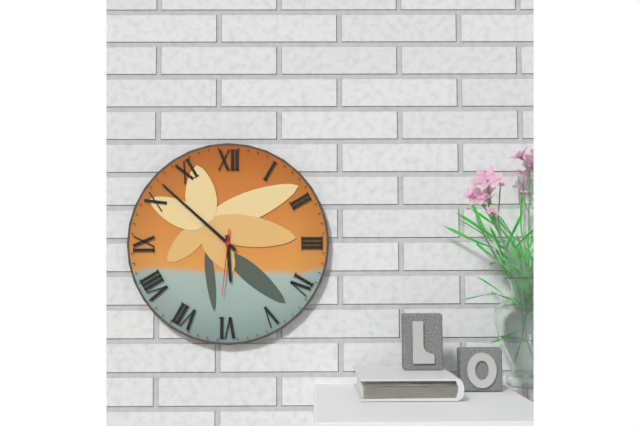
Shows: 5:52:31
